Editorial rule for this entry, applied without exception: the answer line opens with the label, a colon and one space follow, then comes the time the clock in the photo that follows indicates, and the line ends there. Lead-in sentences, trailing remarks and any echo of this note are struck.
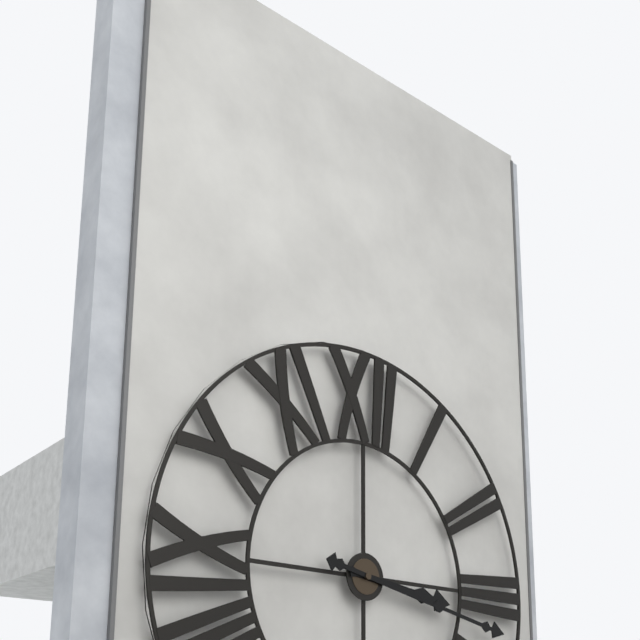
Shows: 3:17
